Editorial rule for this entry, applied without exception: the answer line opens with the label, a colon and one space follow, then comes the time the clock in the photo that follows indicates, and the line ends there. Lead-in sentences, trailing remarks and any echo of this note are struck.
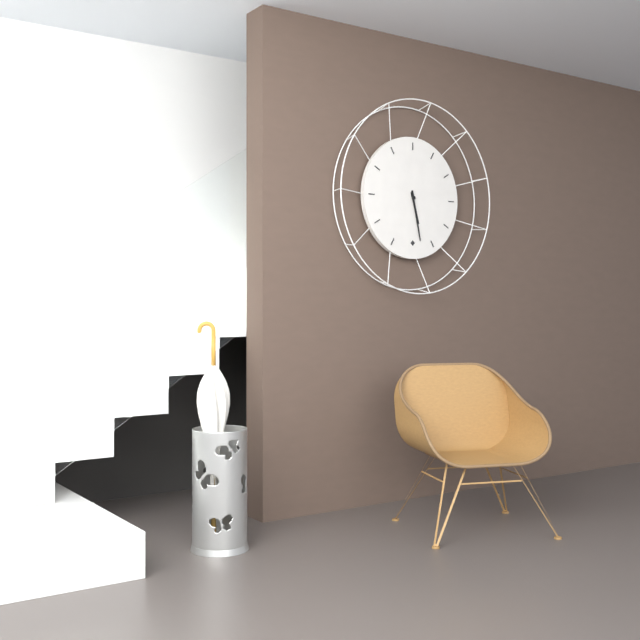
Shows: 5:28
